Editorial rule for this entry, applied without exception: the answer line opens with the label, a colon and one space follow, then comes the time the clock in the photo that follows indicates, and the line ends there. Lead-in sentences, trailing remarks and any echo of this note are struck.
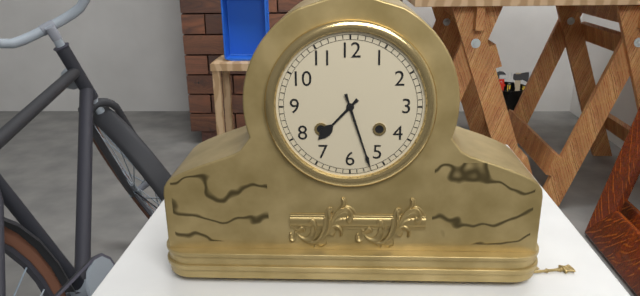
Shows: 7:27
